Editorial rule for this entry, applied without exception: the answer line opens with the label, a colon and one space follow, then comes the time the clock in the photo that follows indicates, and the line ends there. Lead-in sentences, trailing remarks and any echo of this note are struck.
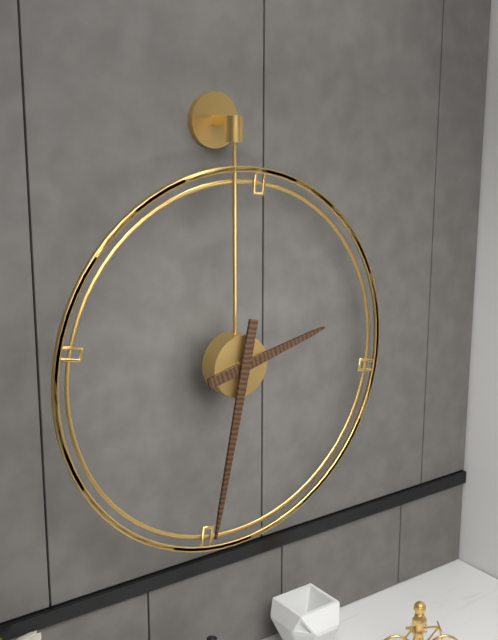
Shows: 2:32
